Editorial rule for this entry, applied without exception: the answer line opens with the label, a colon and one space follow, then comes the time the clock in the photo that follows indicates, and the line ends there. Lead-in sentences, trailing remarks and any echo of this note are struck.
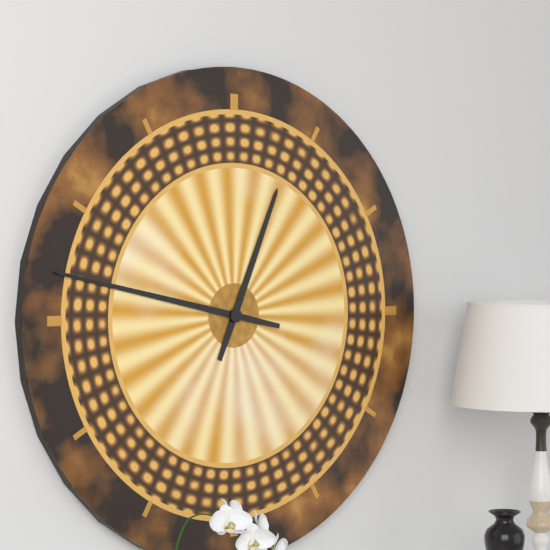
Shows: 12:47
